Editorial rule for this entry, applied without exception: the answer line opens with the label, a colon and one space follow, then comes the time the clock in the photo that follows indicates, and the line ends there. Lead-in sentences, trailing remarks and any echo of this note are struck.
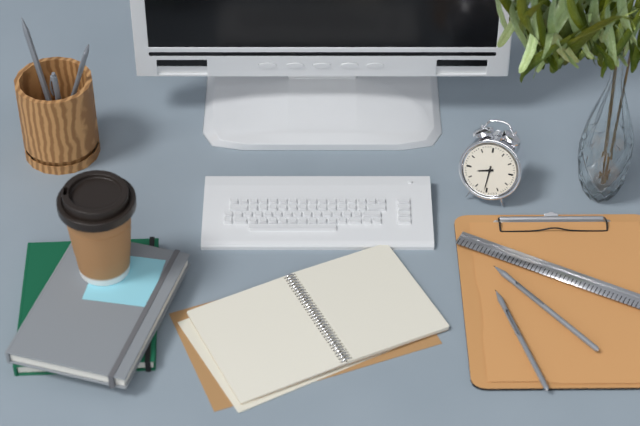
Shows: 8:31
